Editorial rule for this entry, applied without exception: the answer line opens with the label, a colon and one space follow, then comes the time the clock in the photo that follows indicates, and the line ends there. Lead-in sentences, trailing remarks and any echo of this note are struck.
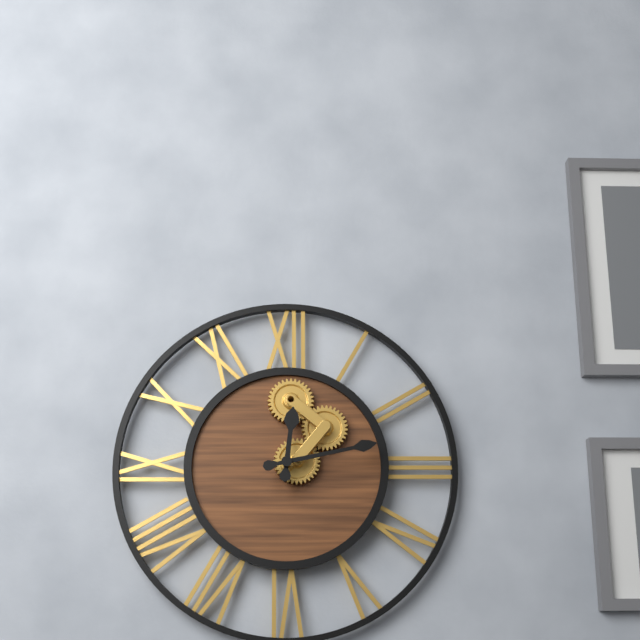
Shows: 12:13
